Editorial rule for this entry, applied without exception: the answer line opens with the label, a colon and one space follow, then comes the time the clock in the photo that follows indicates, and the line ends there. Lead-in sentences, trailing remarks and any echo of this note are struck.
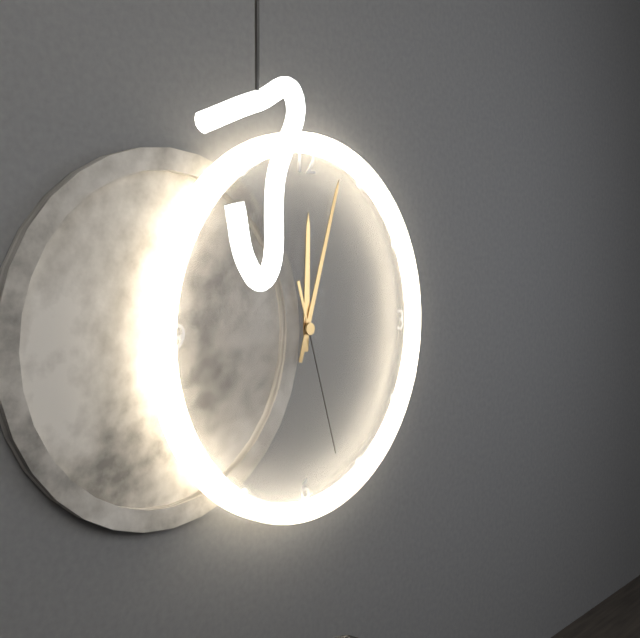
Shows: 12:03:27
